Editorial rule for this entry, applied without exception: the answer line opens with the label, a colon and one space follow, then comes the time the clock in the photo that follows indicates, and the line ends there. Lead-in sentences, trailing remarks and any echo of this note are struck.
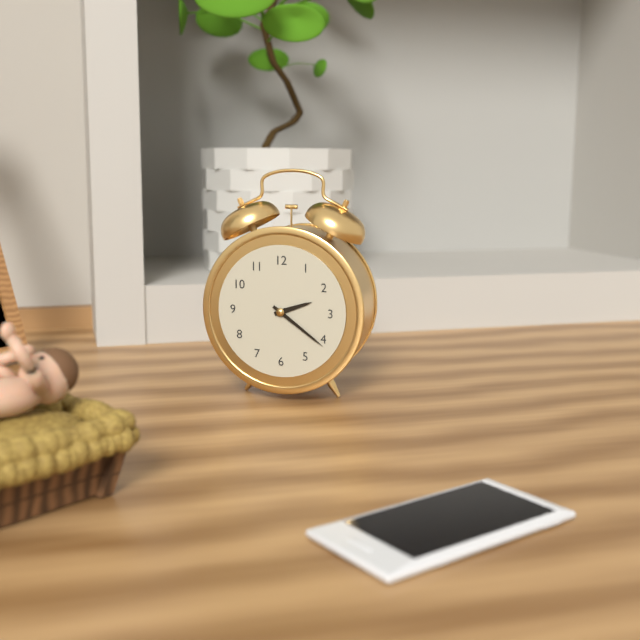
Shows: 2:21
